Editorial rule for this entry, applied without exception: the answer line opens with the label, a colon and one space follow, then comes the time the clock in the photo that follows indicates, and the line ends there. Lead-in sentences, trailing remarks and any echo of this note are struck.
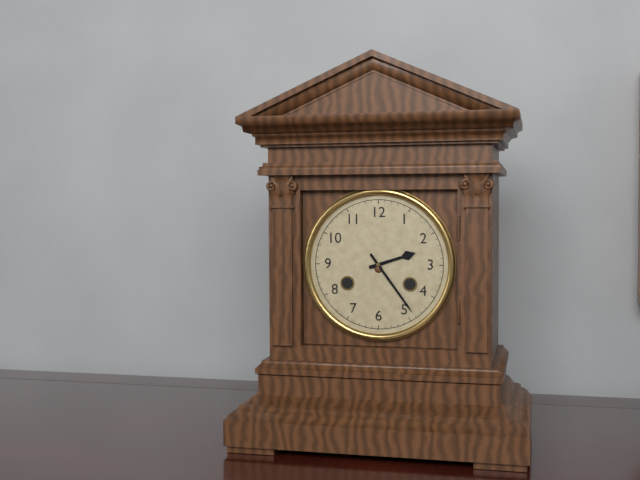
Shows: 2:24
